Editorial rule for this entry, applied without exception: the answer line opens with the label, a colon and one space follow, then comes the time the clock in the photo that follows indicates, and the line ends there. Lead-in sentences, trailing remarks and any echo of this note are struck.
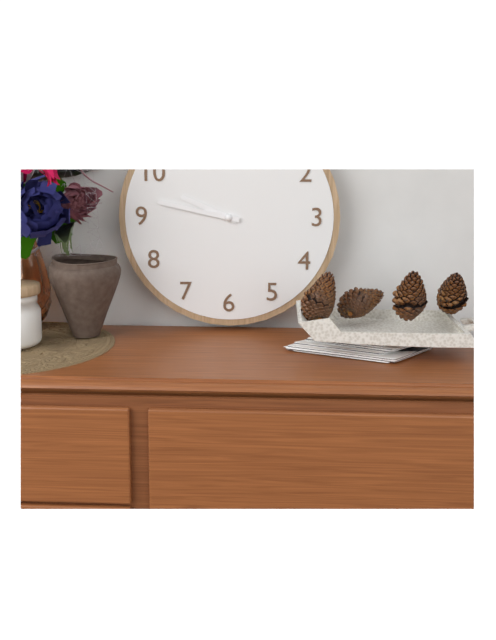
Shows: 9:47
